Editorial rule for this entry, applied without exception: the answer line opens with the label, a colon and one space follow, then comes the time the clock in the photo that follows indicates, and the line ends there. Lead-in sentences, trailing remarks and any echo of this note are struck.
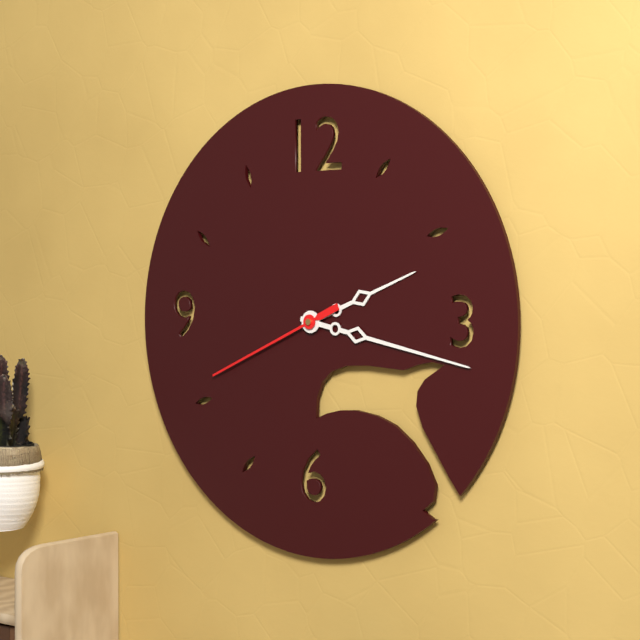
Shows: 2:17:41
